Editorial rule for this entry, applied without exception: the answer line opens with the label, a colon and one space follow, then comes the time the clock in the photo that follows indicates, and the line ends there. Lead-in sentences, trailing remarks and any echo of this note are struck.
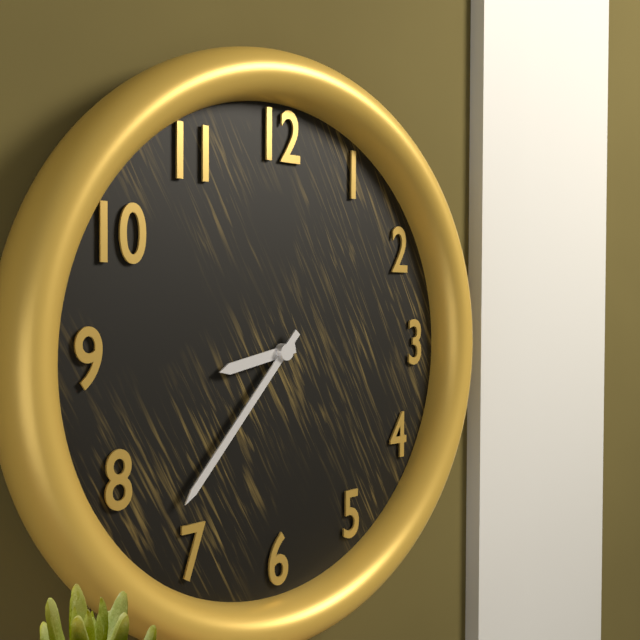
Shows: 8:37
